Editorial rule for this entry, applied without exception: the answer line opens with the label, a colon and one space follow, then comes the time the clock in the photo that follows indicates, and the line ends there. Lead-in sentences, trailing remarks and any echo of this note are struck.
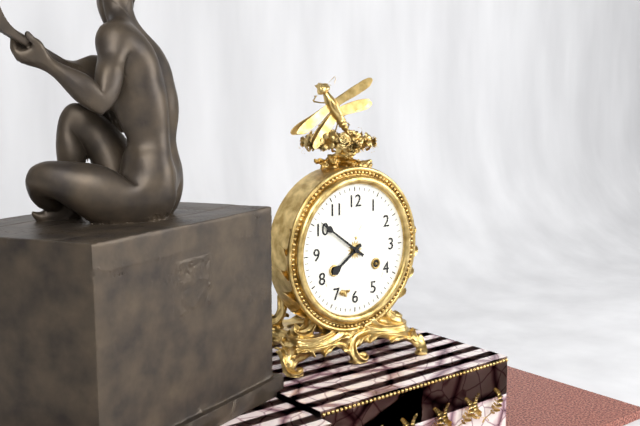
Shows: 7:51
